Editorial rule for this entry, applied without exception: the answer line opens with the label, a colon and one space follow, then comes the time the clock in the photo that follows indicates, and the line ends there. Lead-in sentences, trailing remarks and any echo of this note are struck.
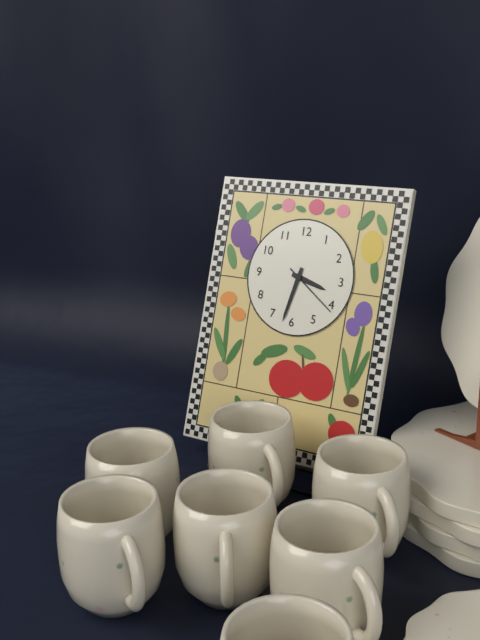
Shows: 3:32:21
